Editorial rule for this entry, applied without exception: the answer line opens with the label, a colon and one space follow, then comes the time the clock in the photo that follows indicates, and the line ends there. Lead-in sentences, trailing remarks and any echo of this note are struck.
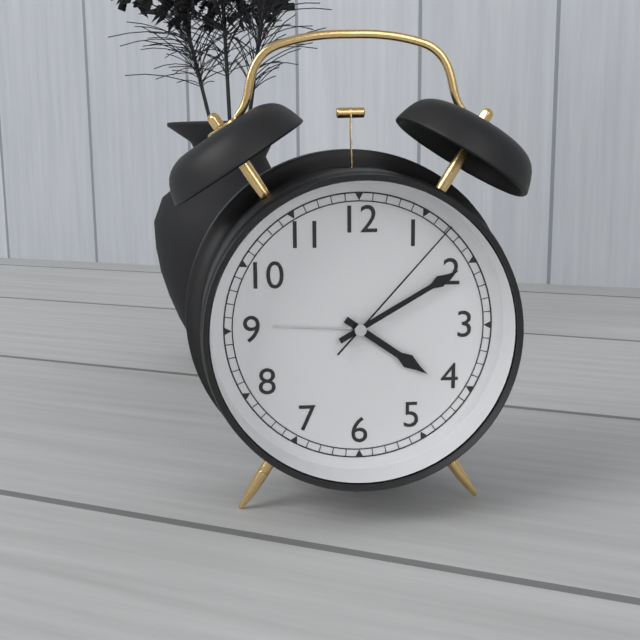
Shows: 4:10:07
